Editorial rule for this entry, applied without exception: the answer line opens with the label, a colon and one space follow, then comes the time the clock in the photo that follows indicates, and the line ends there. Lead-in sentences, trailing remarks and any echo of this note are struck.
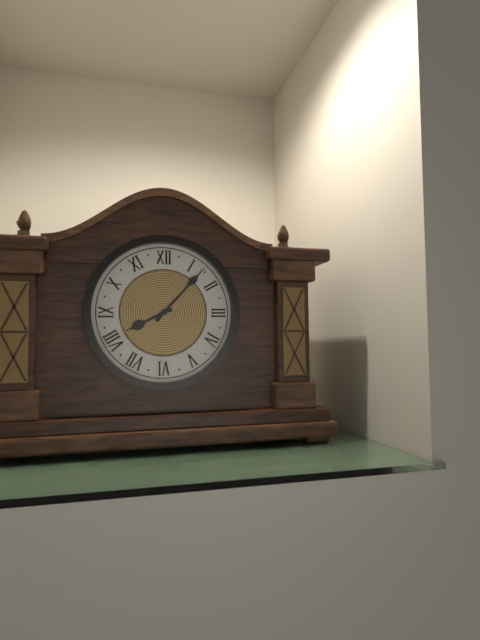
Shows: 8:07
